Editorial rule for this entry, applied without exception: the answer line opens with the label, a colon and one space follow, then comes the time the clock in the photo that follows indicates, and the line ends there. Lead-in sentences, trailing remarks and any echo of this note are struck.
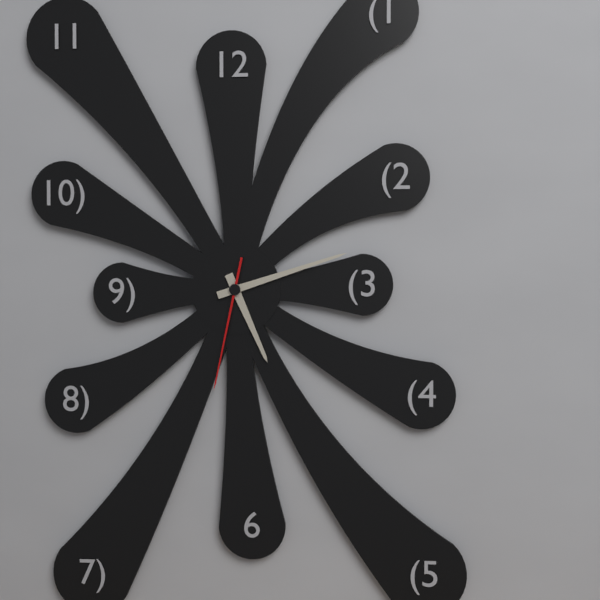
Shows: 5:12:32
